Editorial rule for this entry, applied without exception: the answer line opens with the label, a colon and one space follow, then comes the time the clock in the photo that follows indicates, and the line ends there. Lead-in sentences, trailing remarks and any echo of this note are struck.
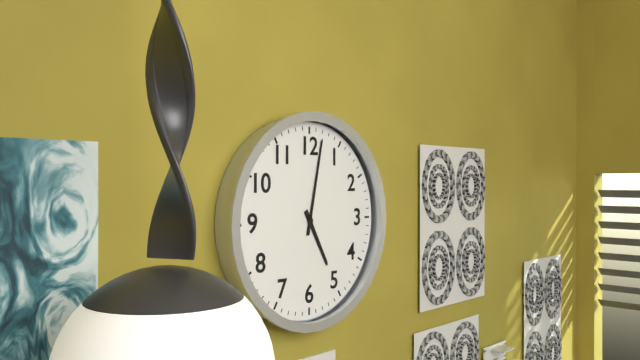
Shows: 5:02
